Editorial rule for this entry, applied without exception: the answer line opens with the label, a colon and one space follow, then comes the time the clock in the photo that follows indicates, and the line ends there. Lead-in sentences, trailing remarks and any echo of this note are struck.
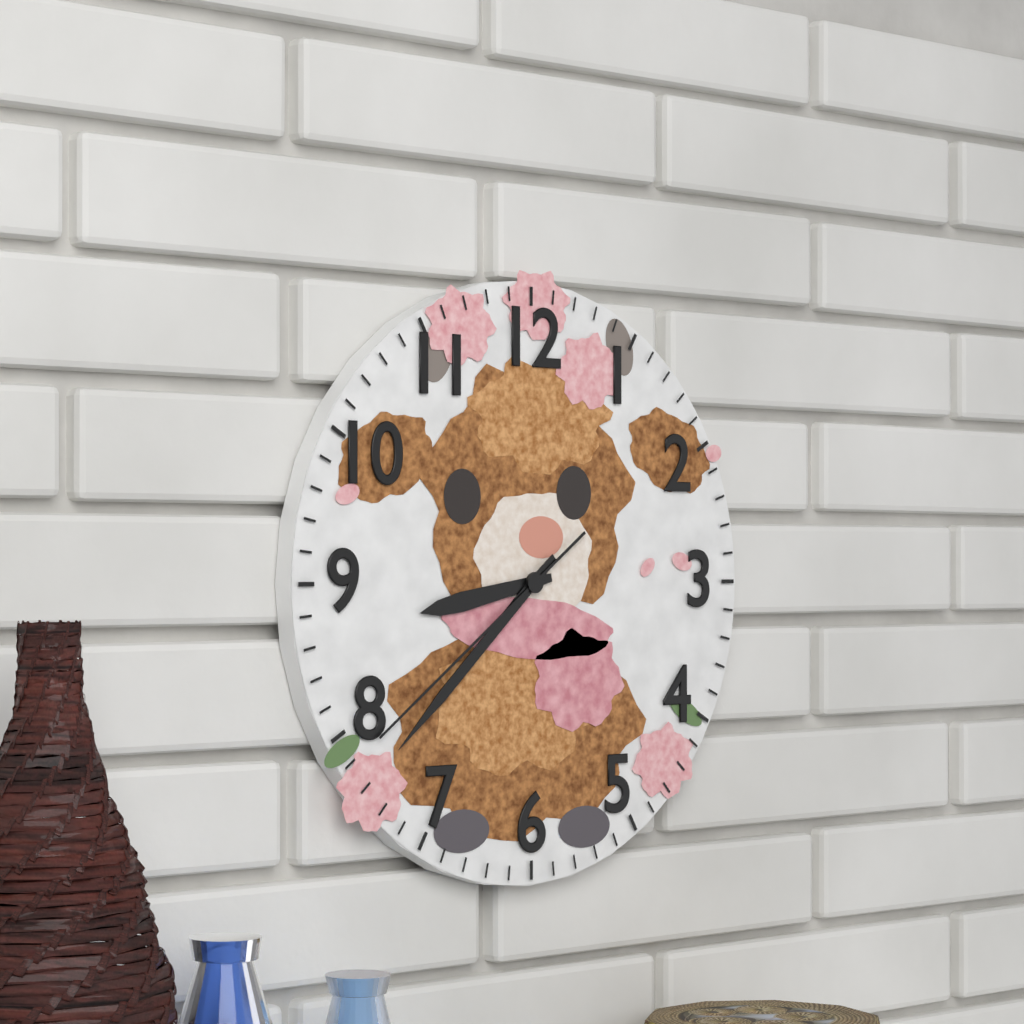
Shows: 8:38:39
